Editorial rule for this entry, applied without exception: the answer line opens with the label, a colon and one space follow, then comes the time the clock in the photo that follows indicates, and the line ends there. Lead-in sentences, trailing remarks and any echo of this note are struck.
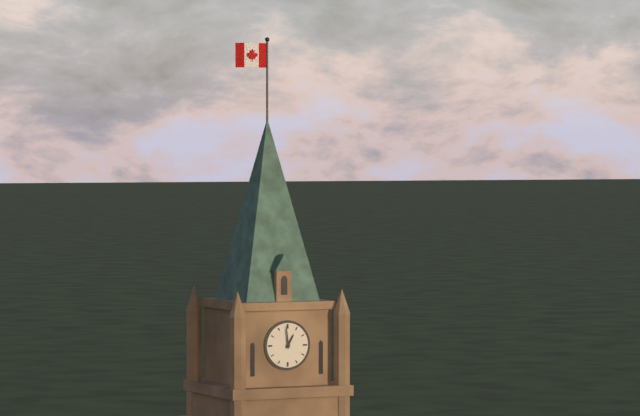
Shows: 12:59
